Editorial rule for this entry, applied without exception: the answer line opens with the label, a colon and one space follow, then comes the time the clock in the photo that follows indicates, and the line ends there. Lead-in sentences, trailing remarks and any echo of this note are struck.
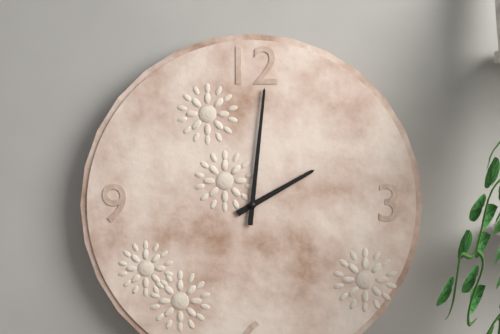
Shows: 2:01
